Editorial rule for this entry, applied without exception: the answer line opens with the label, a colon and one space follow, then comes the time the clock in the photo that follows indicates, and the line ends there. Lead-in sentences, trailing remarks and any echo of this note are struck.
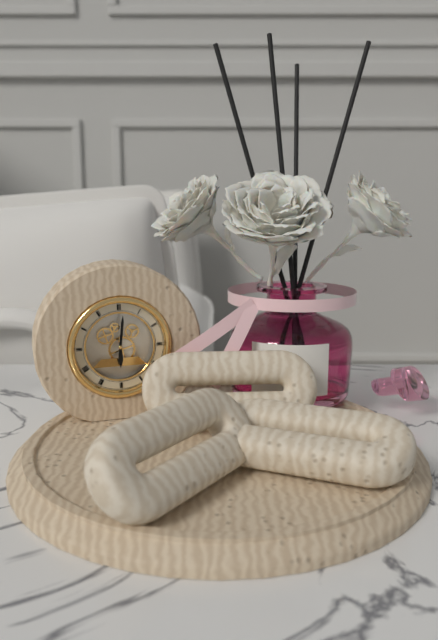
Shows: 6:01
